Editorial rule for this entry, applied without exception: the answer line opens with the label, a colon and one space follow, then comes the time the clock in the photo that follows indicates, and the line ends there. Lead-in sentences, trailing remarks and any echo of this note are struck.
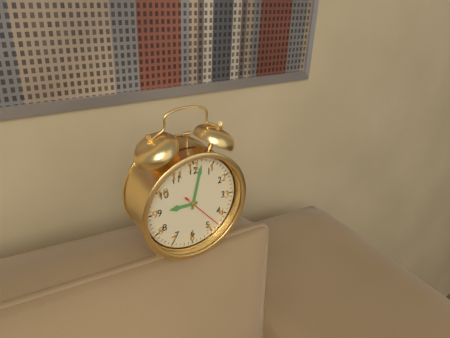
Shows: 9:02
